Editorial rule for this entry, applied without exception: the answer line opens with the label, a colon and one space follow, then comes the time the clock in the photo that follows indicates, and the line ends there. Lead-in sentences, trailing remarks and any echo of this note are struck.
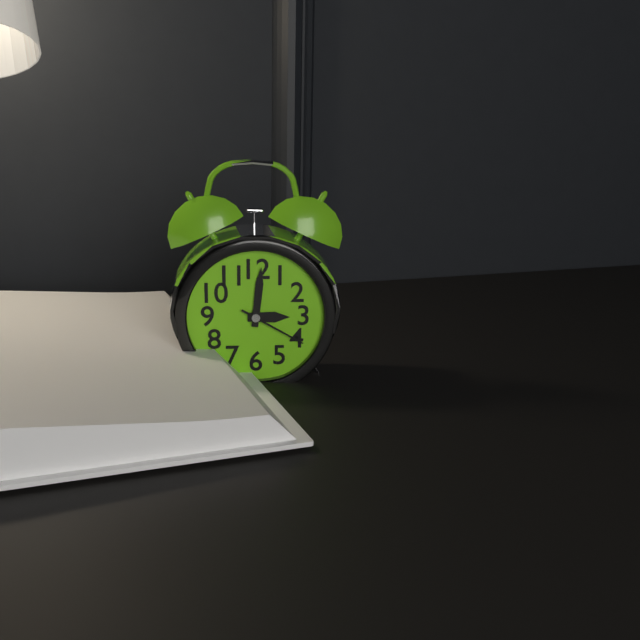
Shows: 3:01:20
